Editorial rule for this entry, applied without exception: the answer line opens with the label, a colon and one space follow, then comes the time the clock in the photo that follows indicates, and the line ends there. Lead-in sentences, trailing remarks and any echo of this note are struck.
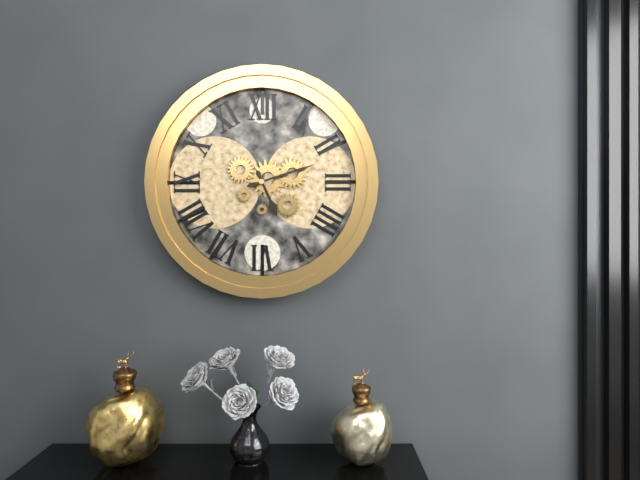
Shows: 5:12
